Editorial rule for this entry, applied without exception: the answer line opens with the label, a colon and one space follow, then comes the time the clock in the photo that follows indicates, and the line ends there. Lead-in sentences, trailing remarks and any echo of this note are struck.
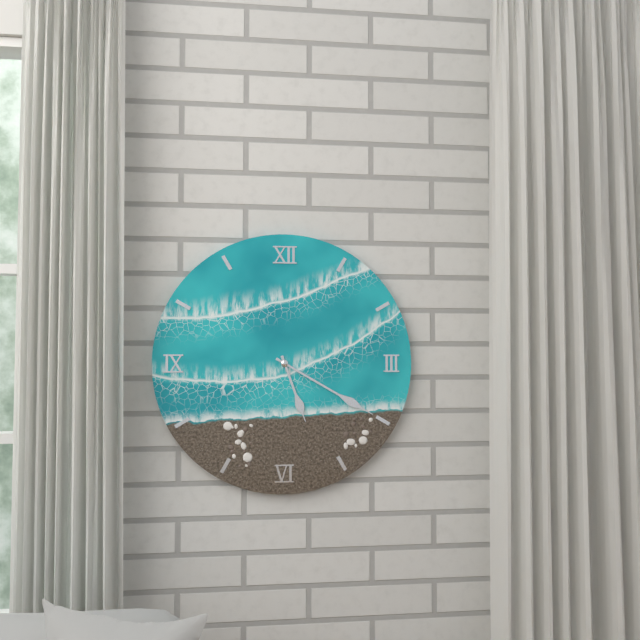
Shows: 5:20
